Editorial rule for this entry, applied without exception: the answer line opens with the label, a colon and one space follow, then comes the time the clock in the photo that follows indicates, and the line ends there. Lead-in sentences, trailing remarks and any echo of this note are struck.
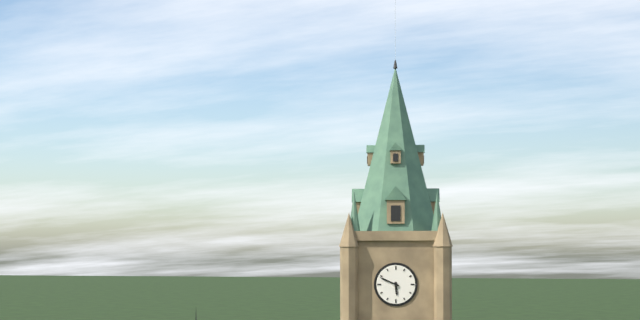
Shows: 5:49
